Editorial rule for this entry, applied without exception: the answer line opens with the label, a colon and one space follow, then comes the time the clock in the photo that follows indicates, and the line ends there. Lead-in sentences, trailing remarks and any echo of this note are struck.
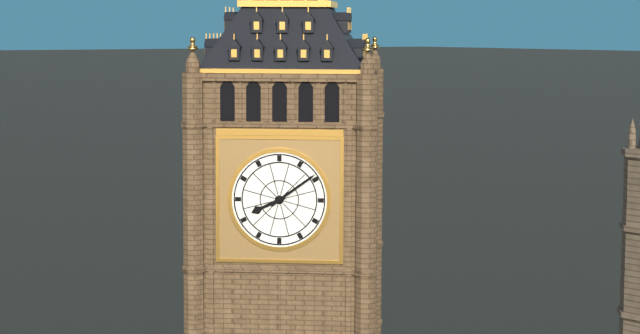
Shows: 8:09
